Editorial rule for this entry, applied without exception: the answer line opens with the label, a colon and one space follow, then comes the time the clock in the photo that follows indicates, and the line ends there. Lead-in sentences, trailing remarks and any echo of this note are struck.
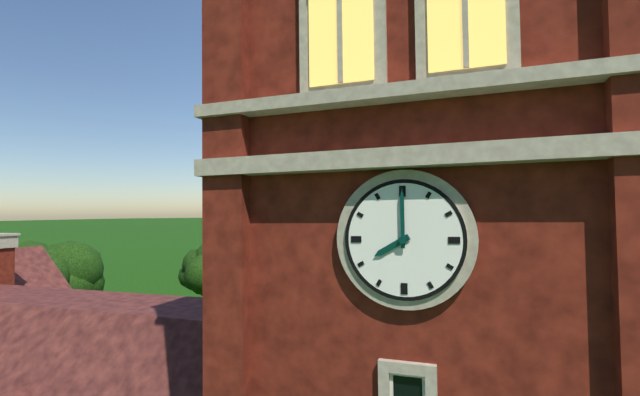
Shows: 8:00
